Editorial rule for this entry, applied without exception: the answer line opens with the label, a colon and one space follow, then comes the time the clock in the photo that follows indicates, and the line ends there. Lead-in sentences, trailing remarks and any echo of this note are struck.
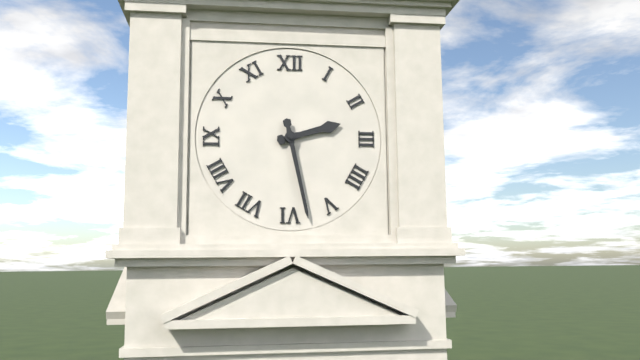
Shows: 2:28
